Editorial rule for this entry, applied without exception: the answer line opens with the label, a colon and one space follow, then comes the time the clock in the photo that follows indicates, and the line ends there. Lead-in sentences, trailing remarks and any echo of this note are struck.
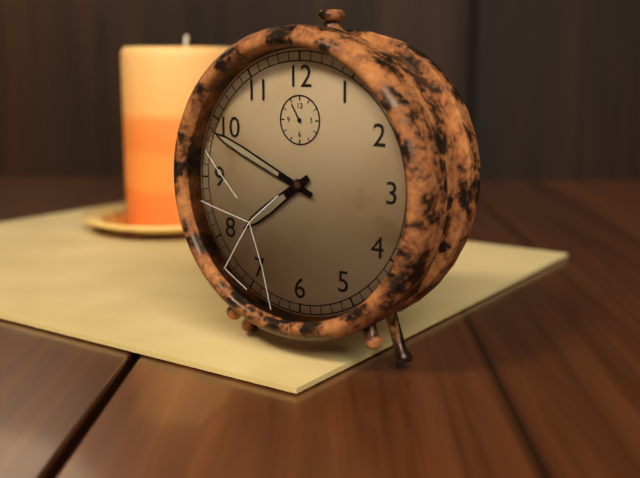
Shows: 7:49
